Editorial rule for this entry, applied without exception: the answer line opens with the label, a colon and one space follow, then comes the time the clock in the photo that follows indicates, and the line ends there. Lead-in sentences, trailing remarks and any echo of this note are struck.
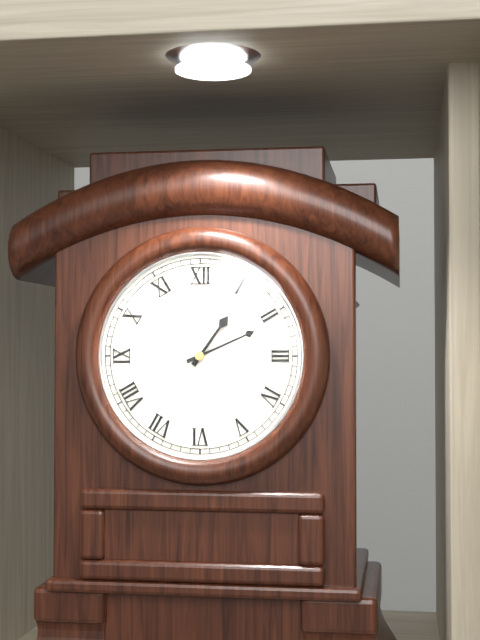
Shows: 1:11
